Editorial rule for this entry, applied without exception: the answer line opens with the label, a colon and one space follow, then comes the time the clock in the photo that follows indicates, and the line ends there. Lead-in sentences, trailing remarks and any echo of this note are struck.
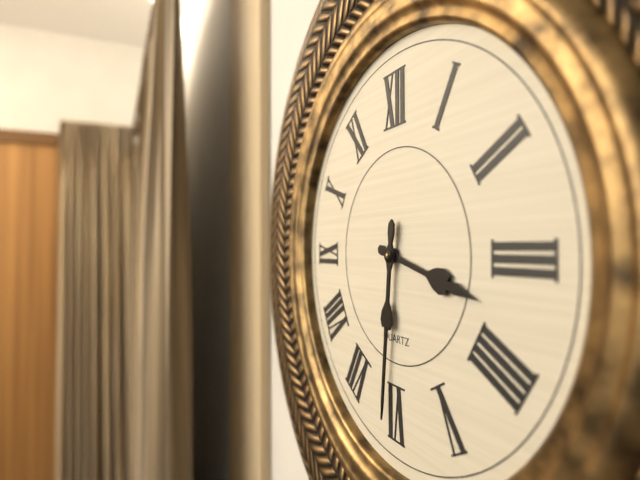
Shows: 3:31
